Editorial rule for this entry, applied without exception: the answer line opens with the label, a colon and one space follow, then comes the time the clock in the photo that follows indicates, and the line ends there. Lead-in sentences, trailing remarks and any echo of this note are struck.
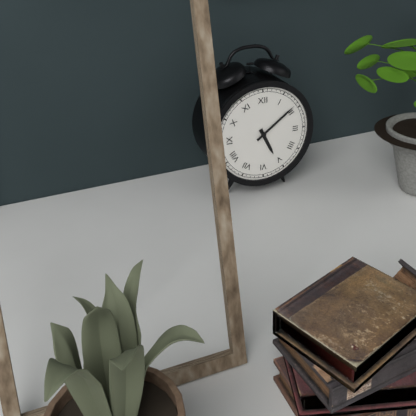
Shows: 5:09
